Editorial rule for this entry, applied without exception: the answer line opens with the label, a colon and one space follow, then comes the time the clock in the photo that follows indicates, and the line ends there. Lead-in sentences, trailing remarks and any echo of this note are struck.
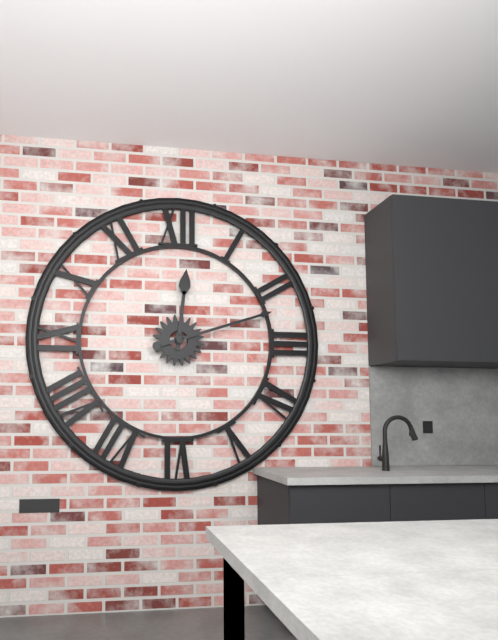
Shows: 12:12
